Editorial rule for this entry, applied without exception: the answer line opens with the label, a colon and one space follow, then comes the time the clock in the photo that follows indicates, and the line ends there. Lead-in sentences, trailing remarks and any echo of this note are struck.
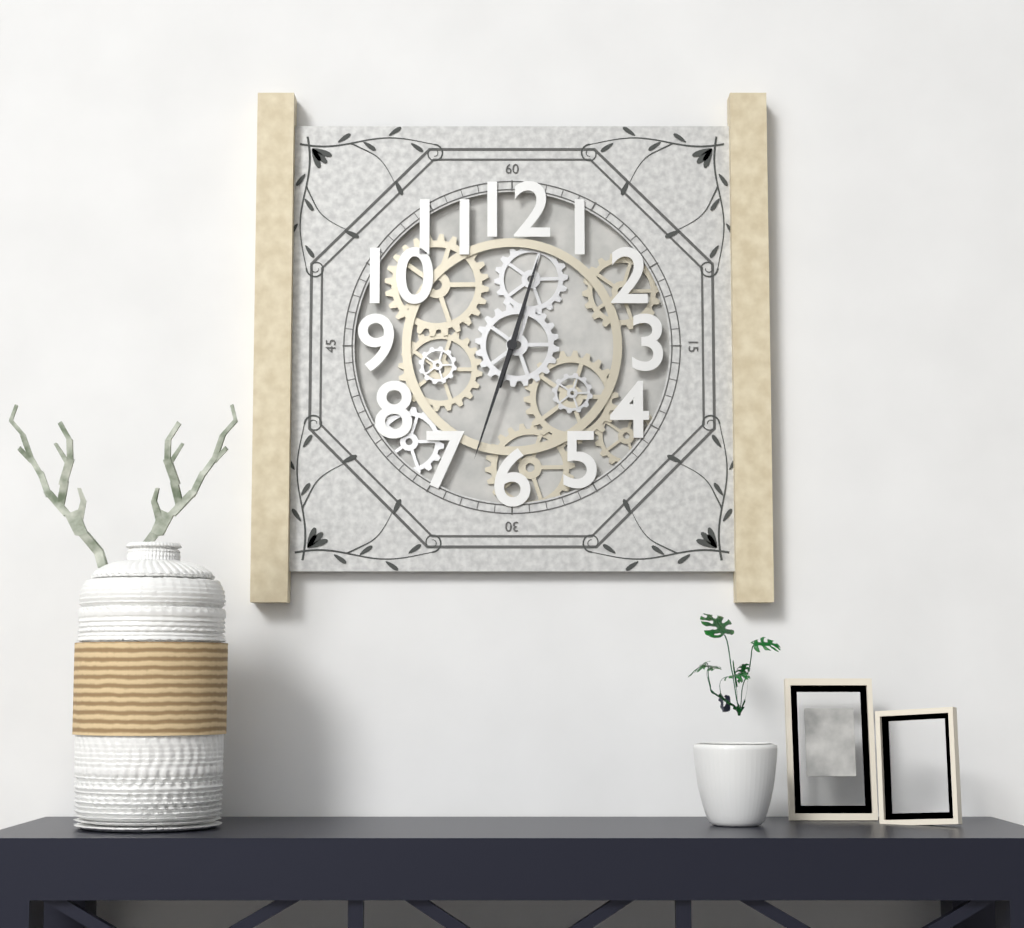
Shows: 12:33
